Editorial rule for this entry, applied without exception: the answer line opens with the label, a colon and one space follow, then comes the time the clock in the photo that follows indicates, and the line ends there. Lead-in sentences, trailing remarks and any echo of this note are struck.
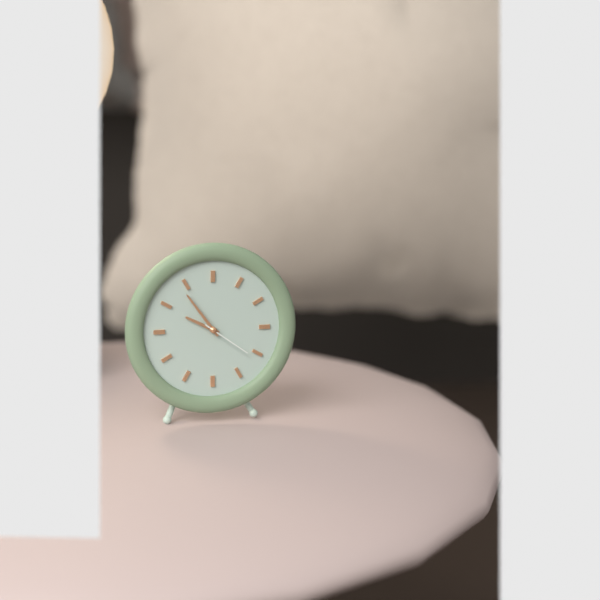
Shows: 9:54:21
